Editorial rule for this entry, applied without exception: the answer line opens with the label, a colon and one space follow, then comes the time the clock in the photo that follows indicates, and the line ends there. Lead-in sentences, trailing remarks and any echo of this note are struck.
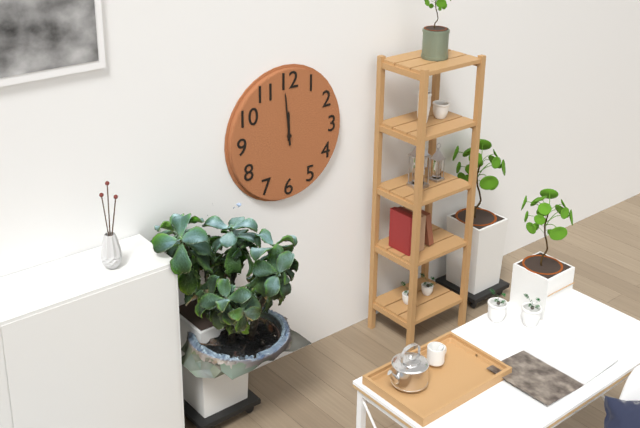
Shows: 11:59
